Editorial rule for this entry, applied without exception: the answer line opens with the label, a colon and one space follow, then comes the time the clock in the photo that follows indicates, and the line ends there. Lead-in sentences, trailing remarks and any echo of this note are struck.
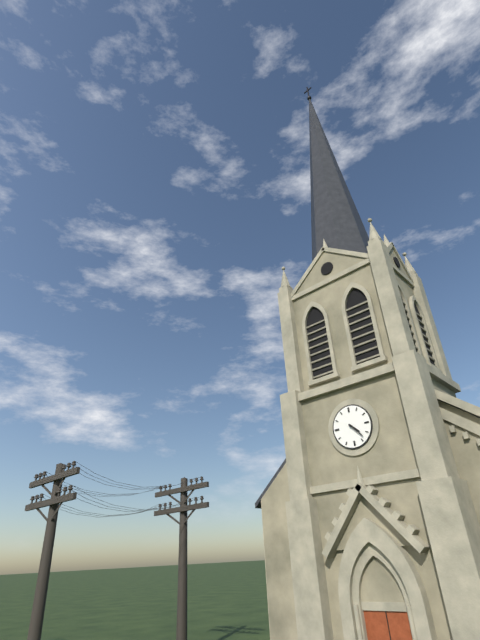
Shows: 4:23
